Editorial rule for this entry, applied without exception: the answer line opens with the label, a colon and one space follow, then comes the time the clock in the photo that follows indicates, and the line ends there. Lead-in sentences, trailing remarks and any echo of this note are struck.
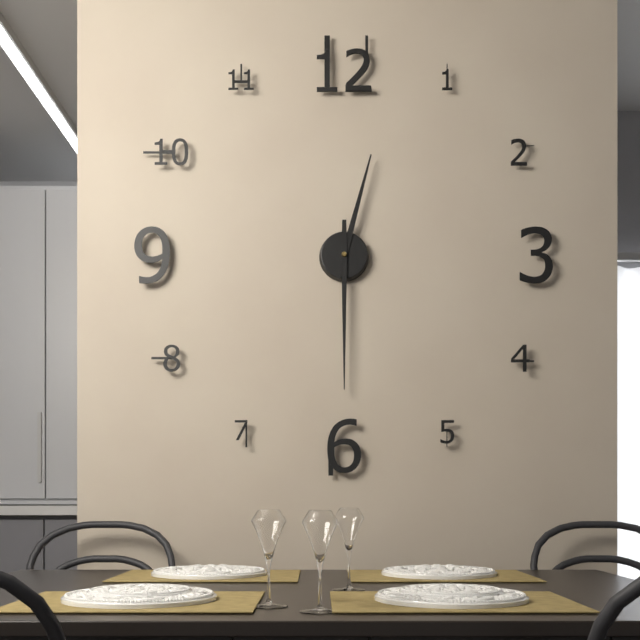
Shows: 12:30
